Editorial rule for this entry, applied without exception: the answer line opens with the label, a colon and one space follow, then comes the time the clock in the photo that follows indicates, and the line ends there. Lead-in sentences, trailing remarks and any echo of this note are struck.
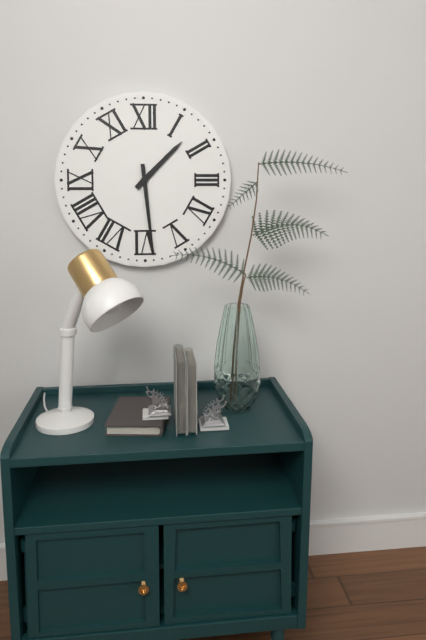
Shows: 1:29
